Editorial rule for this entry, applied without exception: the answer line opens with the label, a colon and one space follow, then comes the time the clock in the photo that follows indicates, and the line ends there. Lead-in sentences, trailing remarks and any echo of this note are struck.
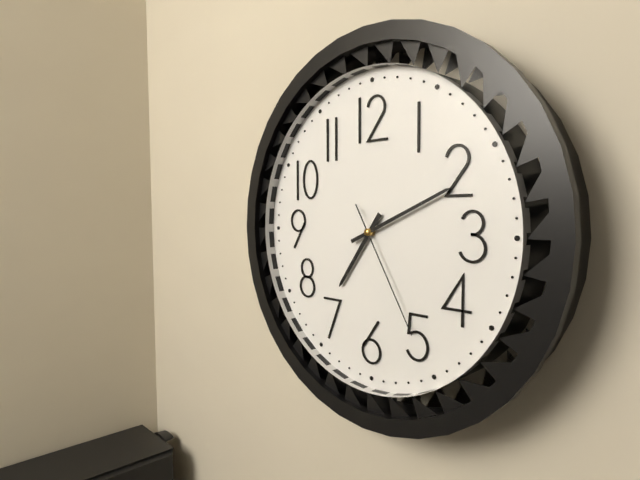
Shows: 7:11:25
